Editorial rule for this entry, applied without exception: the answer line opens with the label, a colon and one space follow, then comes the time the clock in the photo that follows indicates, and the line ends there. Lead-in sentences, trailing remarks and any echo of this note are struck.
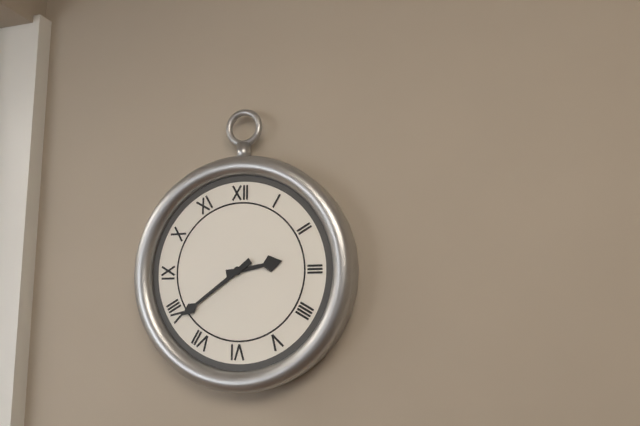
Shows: 2:39
